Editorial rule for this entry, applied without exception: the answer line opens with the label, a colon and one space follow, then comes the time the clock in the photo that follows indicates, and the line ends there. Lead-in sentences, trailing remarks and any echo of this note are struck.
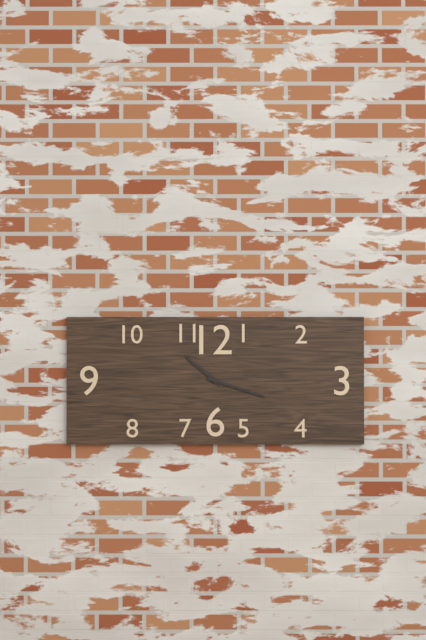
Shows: 10:18
